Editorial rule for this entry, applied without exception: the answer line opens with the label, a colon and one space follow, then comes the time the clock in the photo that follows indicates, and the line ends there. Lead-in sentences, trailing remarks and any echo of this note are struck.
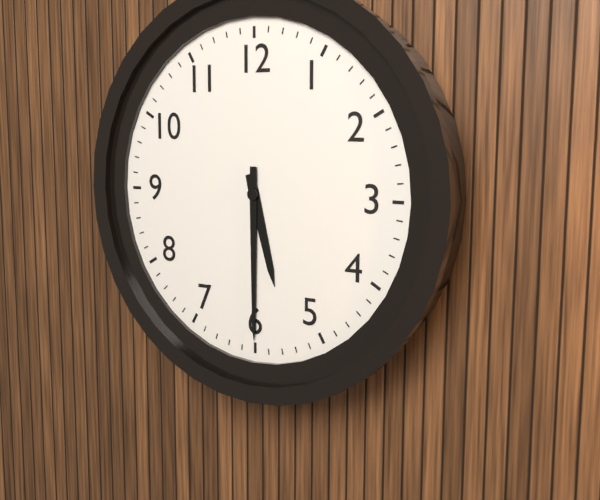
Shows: 5:30
